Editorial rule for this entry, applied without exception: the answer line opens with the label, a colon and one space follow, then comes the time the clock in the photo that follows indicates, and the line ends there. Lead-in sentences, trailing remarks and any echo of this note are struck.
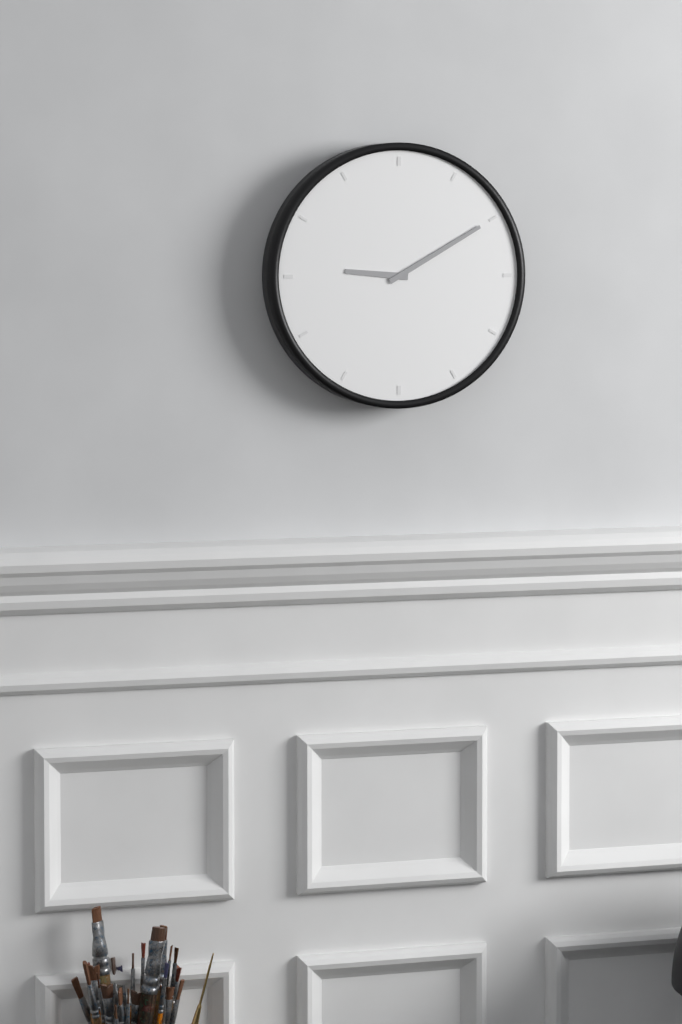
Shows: 9:10
